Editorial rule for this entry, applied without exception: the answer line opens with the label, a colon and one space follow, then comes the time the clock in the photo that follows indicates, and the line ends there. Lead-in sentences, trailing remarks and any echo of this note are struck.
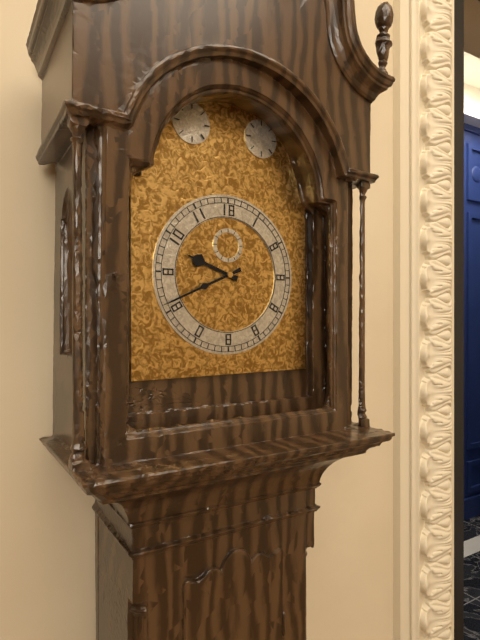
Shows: 9:41
